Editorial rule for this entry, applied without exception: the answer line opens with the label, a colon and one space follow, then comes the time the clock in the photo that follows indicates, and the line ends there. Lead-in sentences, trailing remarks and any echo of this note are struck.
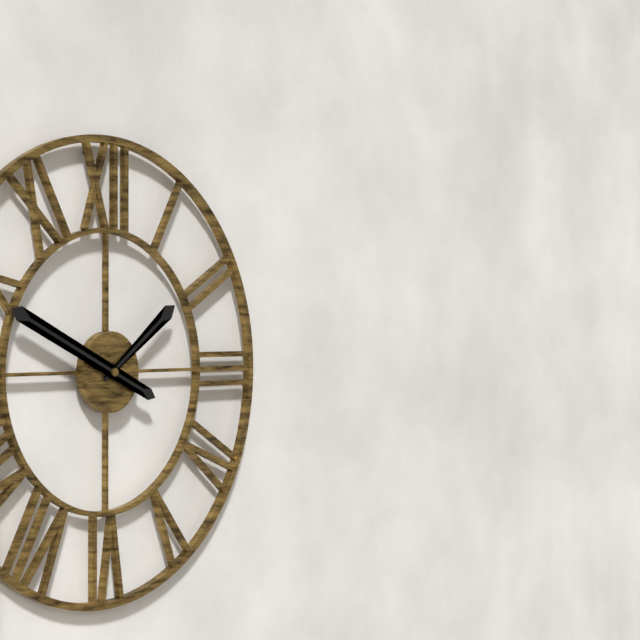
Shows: 1:49
